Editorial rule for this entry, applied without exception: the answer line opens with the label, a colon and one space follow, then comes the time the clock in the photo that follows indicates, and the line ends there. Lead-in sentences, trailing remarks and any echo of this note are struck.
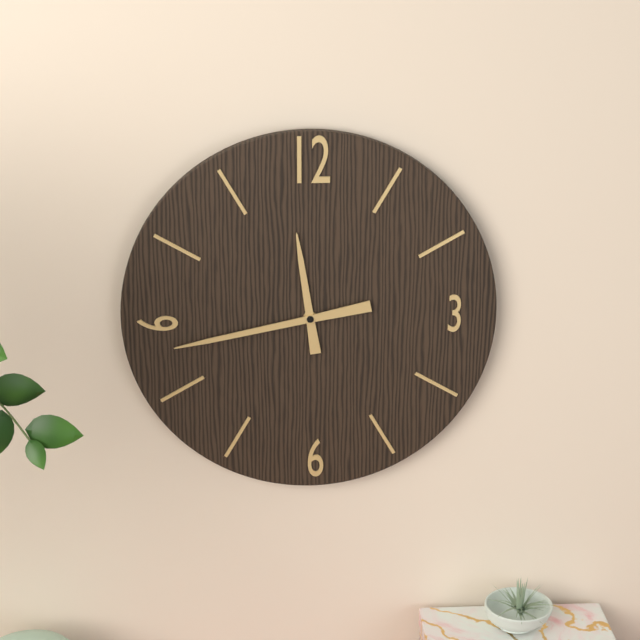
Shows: 11:43
